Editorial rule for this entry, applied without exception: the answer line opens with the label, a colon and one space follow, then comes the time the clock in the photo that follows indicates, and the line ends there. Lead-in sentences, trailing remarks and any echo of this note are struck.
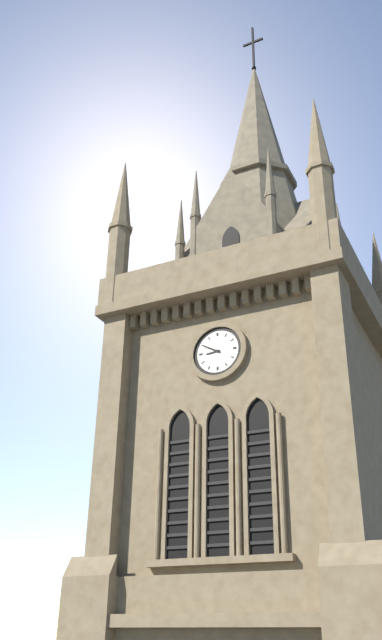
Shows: 8:50
